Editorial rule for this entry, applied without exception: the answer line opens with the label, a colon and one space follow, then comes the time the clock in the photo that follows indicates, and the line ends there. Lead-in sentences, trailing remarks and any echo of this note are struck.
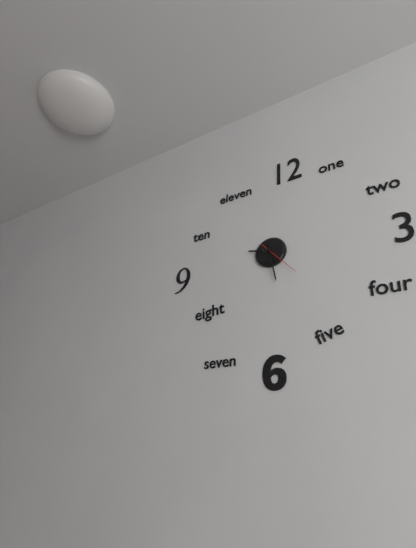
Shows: 9:28
